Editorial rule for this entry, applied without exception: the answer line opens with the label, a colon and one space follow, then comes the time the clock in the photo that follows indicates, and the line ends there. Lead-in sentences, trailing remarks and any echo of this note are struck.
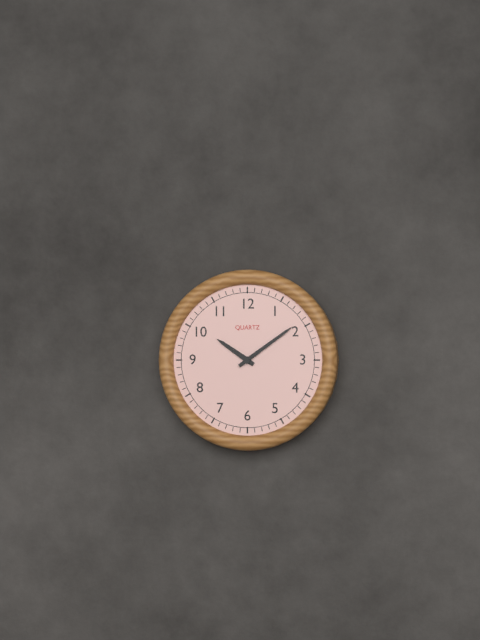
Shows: 10:09
